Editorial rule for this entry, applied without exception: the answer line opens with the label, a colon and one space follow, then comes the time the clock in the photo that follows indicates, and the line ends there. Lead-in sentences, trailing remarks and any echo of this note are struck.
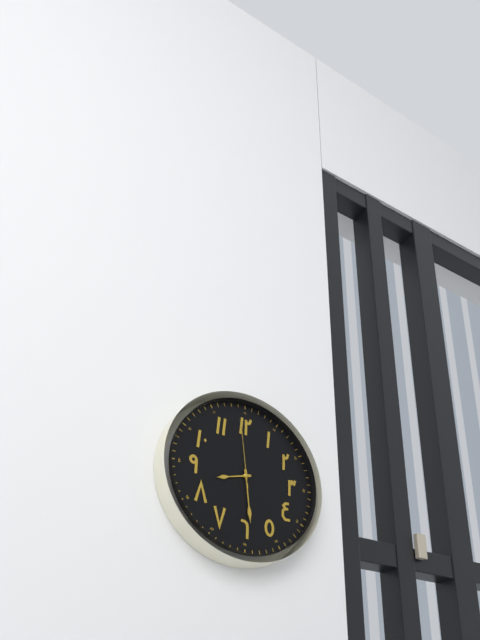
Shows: 8:29:59
